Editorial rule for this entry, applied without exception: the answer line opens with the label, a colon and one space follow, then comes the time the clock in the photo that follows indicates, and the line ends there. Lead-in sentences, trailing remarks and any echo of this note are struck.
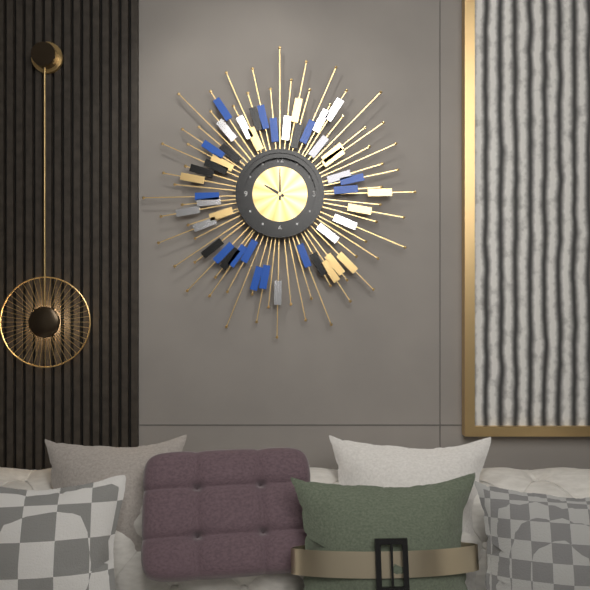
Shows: 10:00
